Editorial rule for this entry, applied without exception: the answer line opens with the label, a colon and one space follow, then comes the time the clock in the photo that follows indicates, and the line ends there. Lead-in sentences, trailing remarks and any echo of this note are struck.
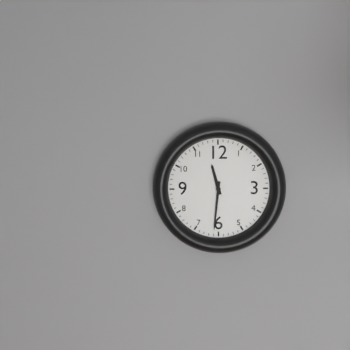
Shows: 11:31
